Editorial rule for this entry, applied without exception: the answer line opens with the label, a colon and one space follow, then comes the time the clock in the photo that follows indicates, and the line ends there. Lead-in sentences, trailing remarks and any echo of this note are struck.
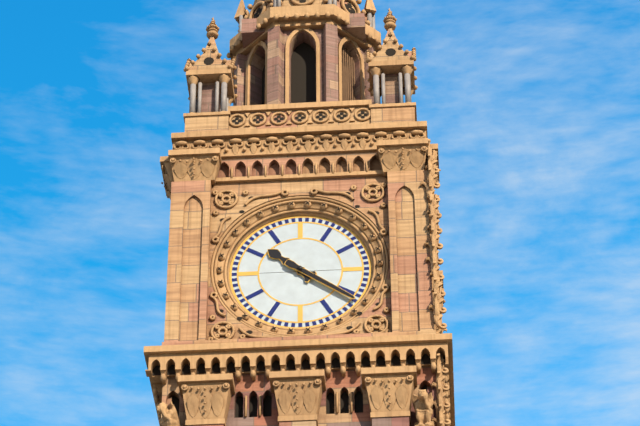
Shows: 10:21
